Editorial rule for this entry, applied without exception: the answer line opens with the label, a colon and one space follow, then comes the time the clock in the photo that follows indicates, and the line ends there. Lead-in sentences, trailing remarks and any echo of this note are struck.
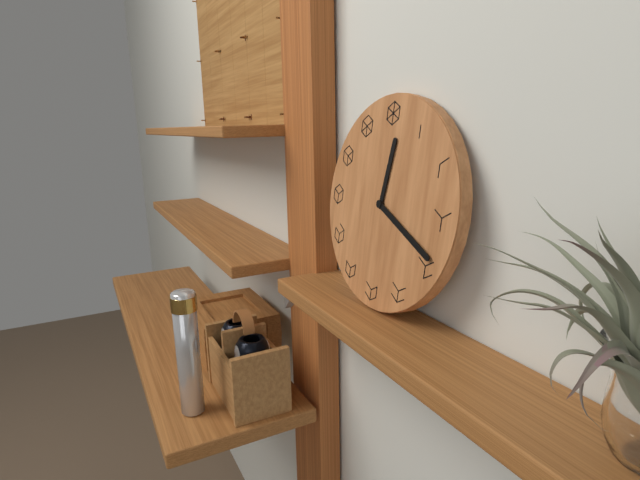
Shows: 12:19
